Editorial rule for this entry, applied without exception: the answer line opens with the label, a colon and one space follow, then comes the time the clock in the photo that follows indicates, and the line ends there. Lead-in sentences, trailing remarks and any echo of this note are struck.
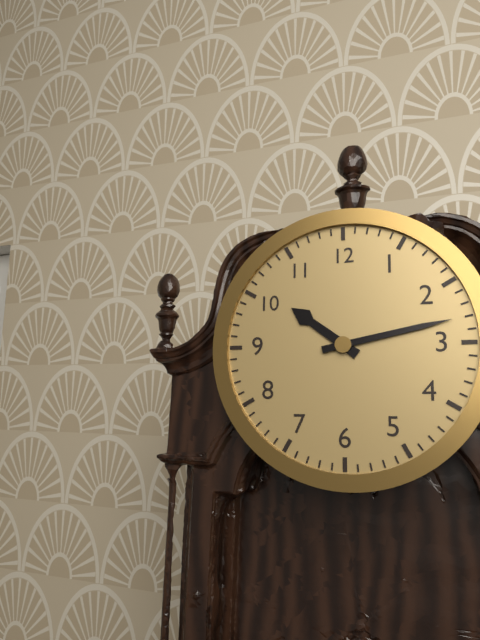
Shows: 10:13
